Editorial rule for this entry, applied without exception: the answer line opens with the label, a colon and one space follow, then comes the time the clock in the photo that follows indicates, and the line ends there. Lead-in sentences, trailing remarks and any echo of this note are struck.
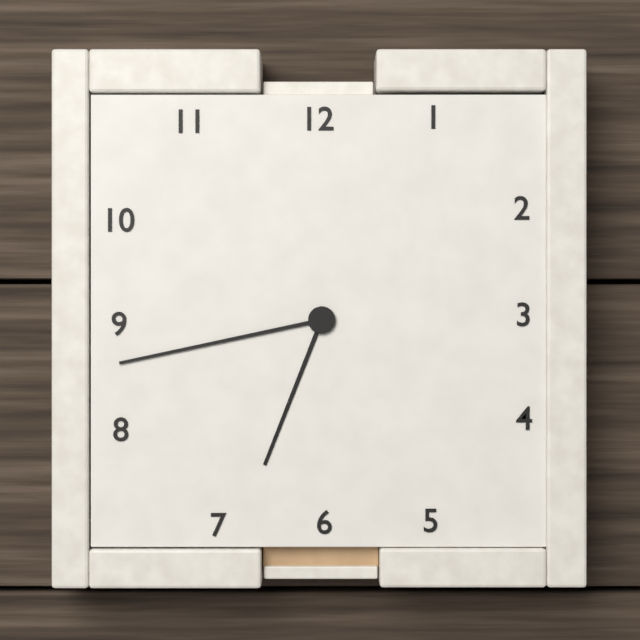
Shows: 6:43
